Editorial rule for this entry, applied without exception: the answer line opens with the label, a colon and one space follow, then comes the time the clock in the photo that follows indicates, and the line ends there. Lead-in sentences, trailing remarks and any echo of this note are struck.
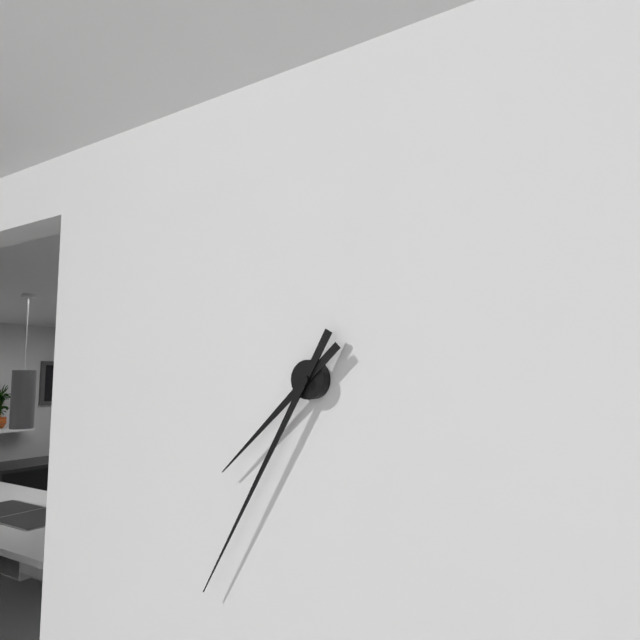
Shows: 7:35
